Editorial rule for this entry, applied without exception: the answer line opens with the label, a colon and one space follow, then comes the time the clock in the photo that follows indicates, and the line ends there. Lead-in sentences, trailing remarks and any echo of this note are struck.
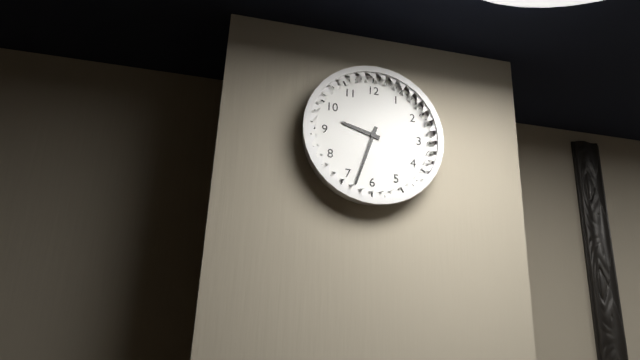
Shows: 9:33
